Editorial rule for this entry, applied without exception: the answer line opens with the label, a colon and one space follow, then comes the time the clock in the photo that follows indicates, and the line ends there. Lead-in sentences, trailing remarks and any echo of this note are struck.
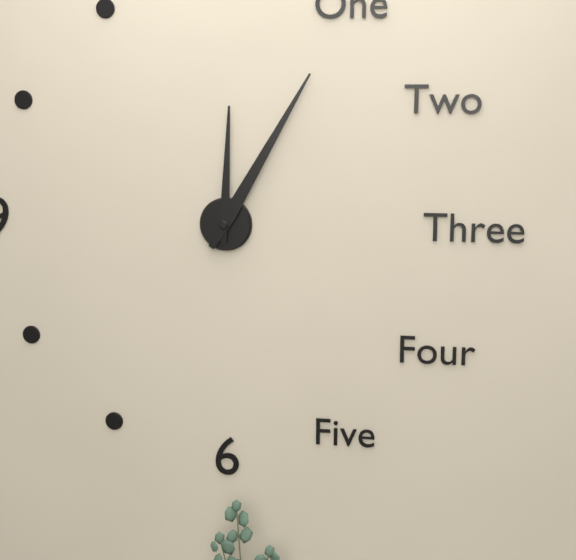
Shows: 12:05
